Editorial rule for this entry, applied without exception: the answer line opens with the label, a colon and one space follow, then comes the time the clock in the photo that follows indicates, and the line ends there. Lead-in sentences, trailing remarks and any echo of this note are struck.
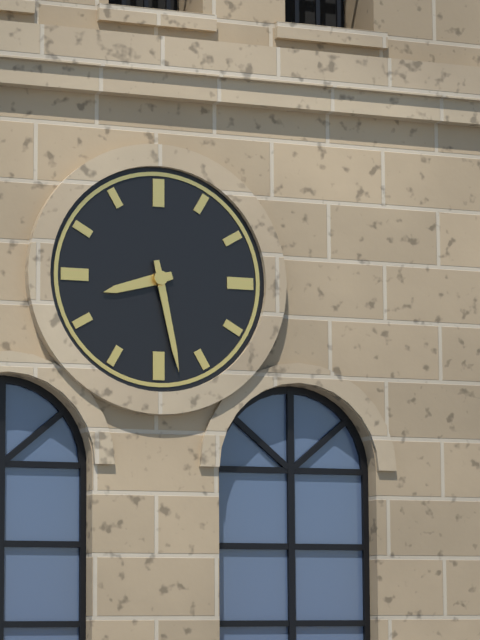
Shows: 8:28
